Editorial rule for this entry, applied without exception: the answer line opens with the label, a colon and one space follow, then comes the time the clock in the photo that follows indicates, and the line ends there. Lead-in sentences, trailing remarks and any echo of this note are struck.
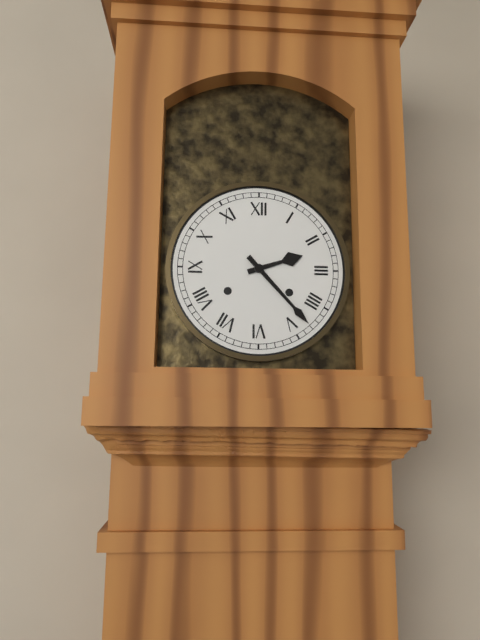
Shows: 2:23
